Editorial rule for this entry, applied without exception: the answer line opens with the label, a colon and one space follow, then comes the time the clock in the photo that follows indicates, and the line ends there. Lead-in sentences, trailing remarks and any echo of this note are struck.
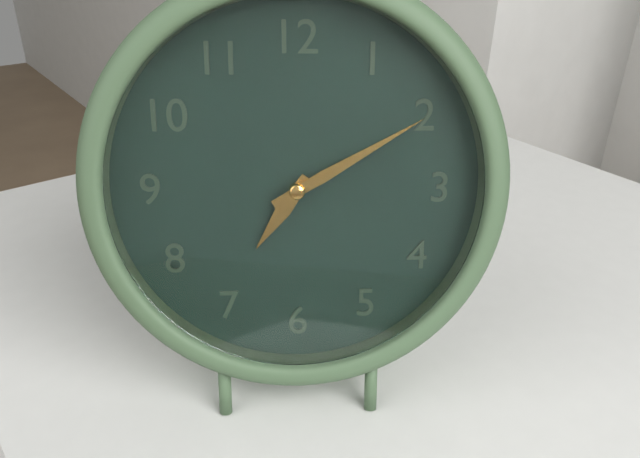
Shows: 7:10
